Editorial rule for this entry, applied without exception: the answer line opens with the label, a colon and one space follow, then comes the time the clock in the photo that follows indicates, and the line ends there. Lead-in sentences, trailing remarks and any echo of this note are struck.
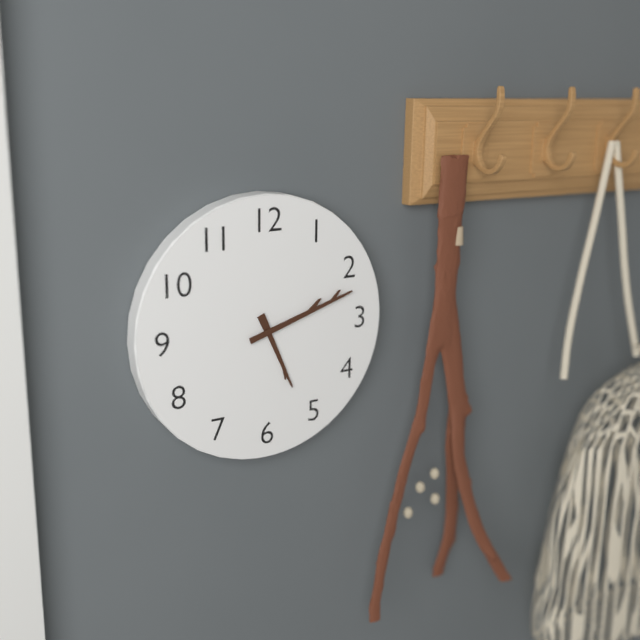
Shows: 5:12
